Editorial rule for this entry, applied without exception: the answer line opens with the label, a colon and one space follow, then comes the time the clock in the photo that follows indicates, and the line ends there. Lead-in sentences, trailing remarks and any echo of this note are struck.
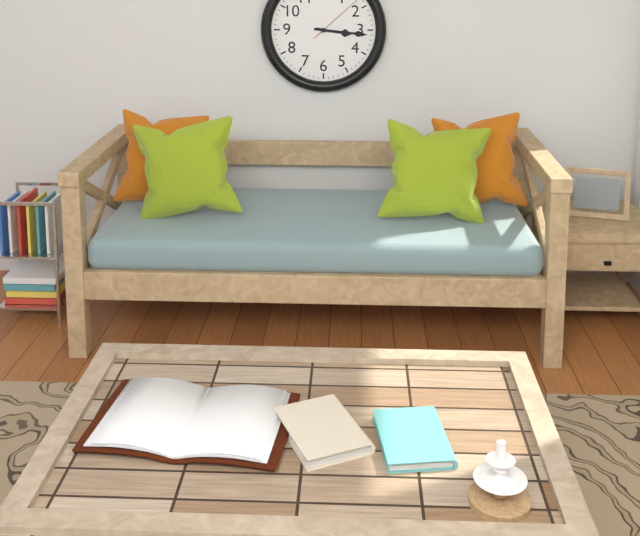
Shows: 3:16
